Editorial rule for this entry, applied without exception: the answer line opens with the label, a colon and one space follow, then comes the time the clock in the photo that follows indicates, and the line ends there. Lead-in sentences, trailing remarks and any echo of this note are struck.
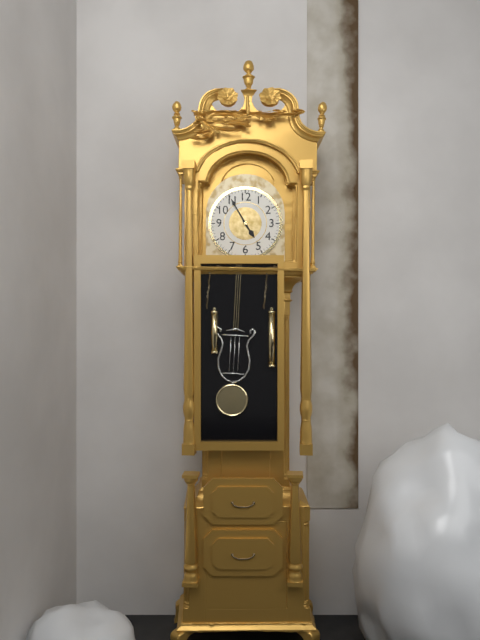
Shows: 4:55
